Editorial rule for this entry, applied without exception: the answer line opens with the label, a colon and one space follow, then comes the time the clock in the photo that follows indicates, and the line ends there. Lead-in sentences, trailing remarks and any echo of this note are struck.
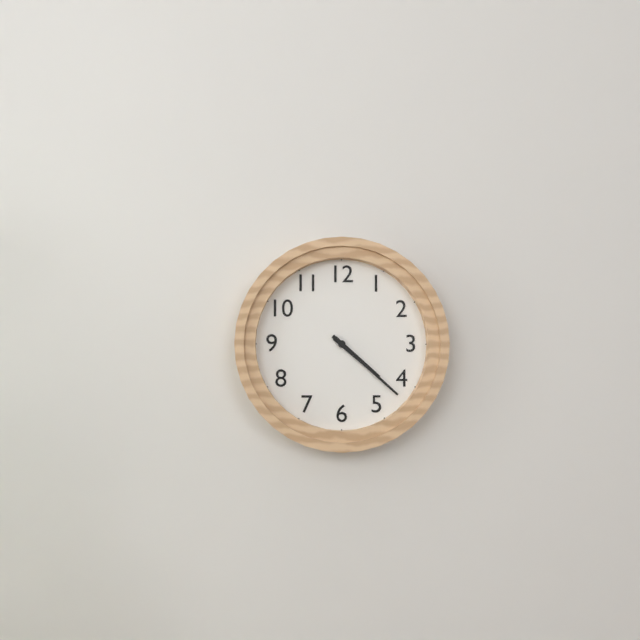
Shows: 4:22
